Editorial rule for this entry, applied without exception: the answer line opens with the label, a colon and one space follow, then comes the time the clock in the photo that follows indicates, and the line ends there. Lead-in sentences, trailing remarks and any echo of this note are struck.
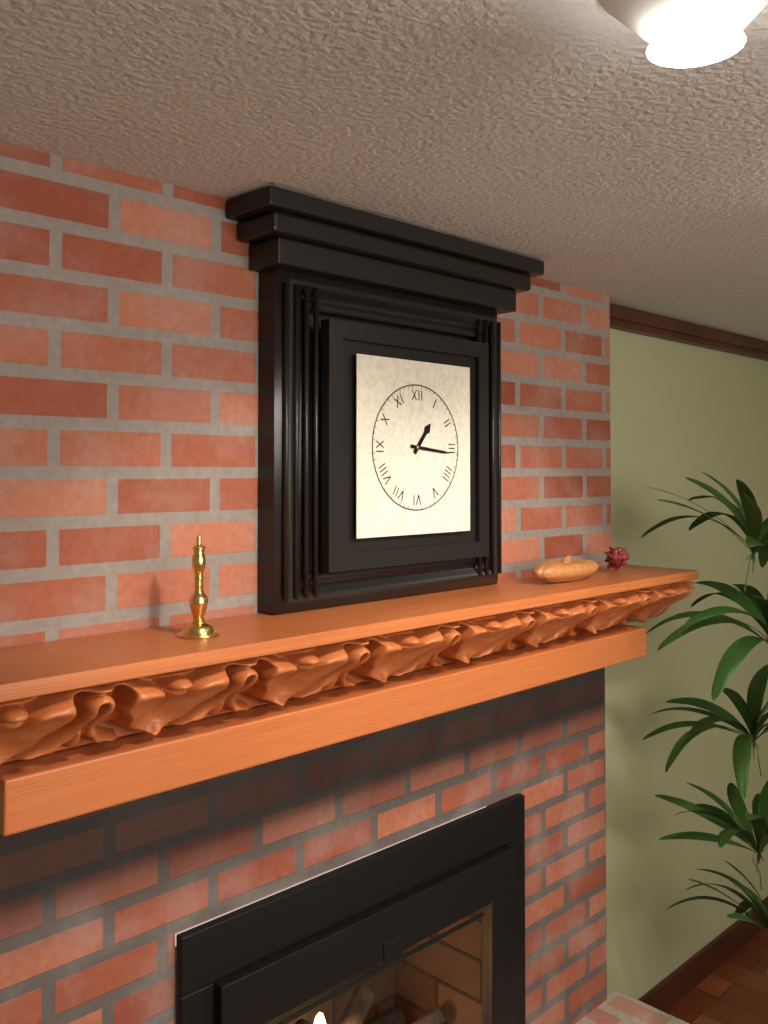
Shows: 1:16
